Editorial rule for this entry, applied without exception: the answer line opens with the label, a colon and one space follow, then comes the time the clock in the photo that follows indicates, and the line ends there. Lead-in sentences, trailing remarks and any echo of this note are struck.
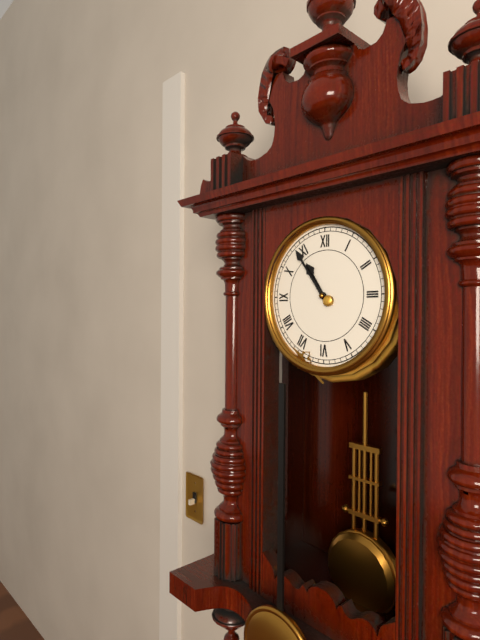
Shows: 10:54
